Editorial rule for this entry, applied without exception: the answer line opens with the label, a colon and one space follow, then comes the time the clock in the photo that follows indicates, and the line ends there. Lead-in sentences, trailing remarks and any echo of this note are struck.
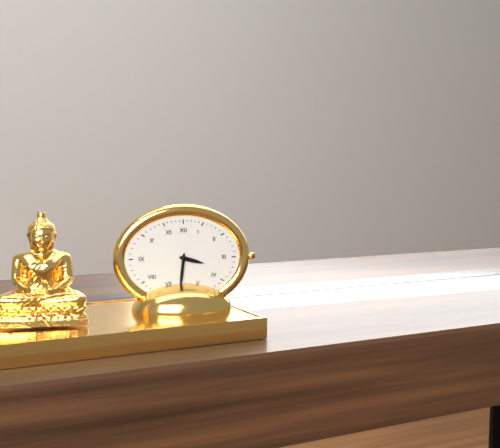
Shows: 3:31
